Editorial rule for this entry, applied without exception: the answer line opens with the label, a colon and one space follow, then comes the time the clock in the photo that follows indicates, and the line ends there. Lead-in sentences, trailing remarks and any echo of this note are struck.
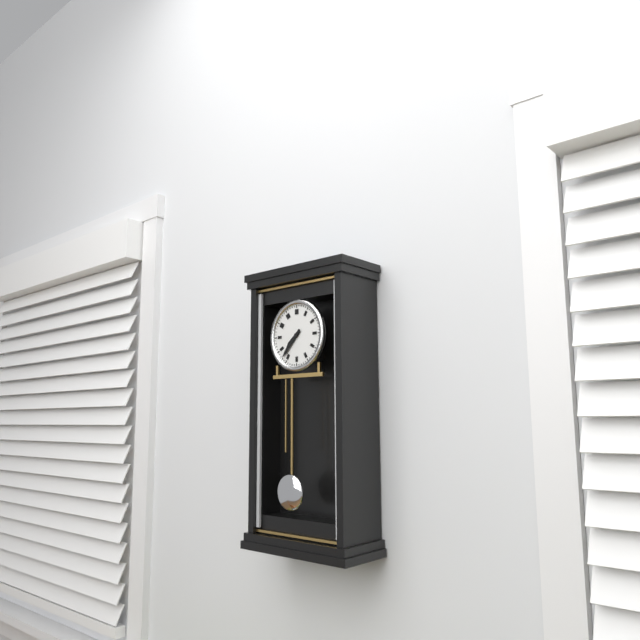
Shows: 7:37
